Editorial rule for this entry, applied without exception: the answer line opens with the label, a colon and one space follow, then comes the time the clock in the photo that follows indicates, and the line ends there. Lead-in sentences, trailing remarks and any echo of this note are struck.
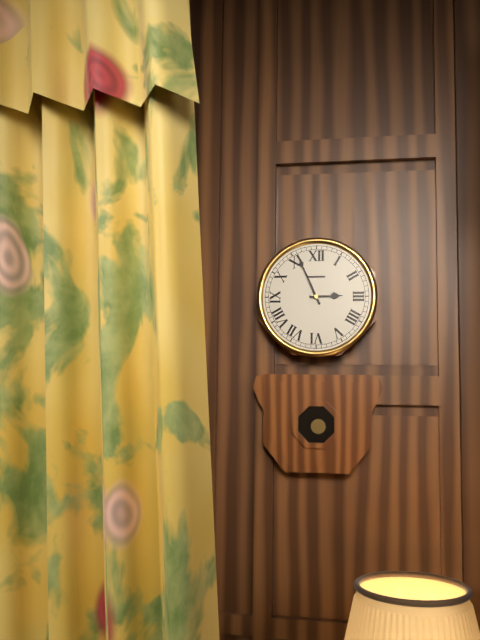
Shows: 2:56
